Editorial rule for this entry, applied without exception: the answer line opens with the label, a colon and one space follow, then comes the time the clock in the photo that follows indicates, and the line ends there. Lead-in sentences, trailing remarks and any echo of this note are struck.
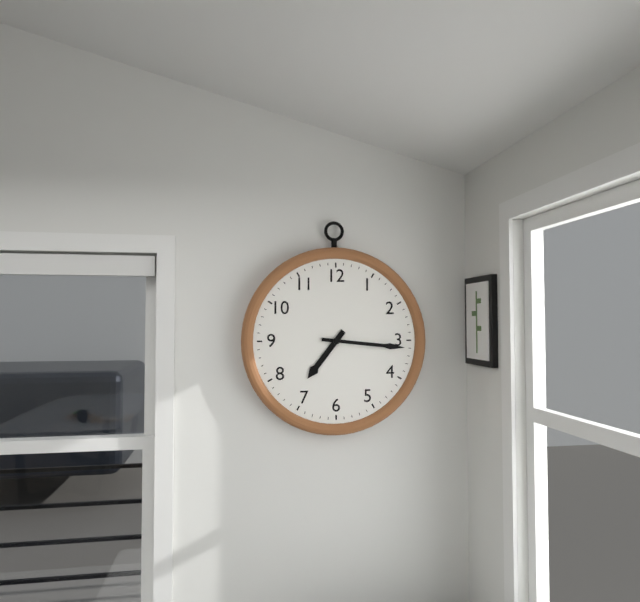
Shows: 7:16
